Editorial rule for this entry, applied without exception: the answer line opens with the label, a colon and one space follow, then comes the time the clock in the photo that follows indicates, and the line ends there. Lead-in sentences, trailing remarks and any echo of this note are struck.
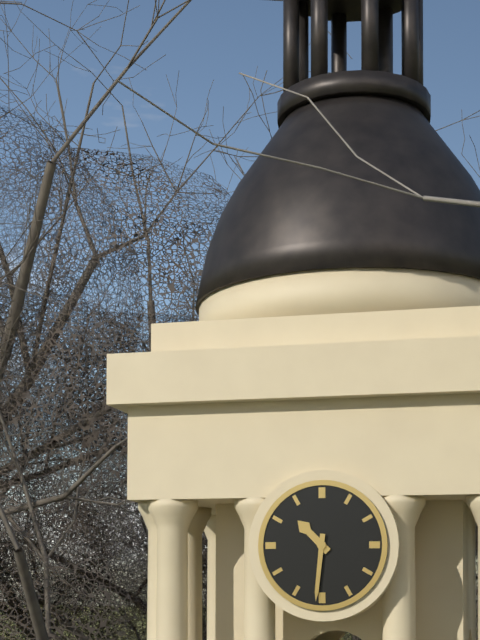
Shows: 10:31
